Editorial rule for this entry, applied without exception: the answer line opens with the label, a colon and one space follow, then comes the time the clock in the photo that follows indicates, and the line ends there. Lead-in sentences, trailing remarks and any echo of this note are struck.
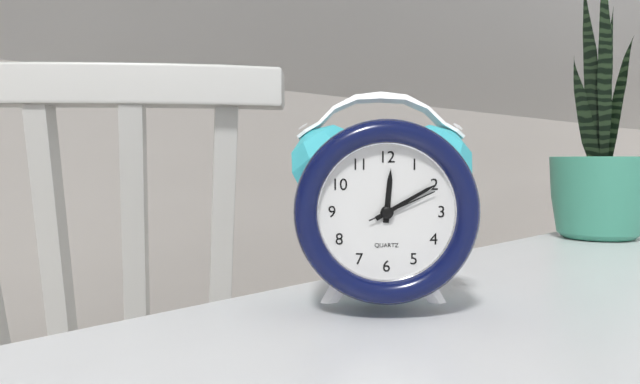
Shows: 12:10:11
